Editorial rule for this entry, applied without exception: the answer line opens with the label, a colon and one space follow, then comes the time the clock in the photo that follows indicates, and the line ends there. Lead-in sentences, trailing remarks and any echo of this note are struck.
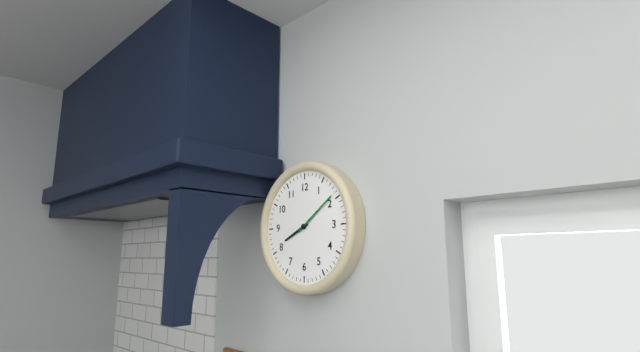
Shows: 8:09
